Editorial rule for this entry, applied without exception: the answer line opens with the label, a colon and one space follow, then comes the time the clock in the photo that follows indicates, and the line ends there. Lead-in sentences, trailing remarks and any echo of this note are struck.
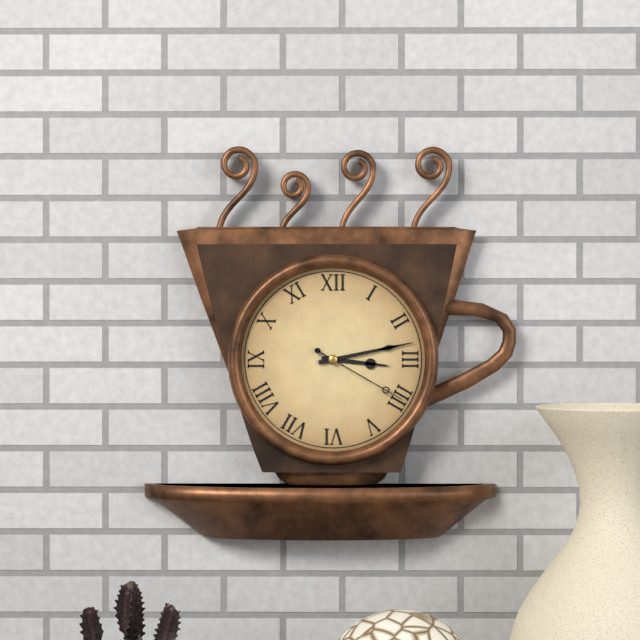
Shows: 3:13:20
